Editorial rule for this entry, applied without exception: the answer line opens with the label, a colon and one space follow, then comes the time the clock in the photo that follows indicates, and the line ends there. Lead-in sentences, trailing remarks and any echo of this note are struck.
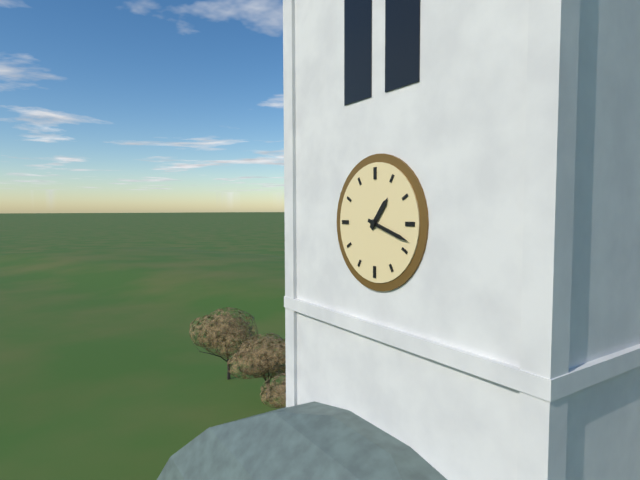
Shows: 1:18
